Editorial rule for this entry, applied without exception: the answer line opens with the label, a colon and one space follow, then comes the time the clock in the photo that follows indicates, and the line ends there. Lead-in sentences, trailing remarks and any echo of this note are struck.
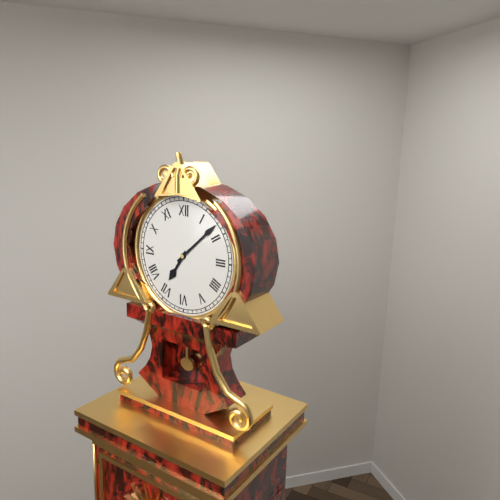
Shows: 7:08
